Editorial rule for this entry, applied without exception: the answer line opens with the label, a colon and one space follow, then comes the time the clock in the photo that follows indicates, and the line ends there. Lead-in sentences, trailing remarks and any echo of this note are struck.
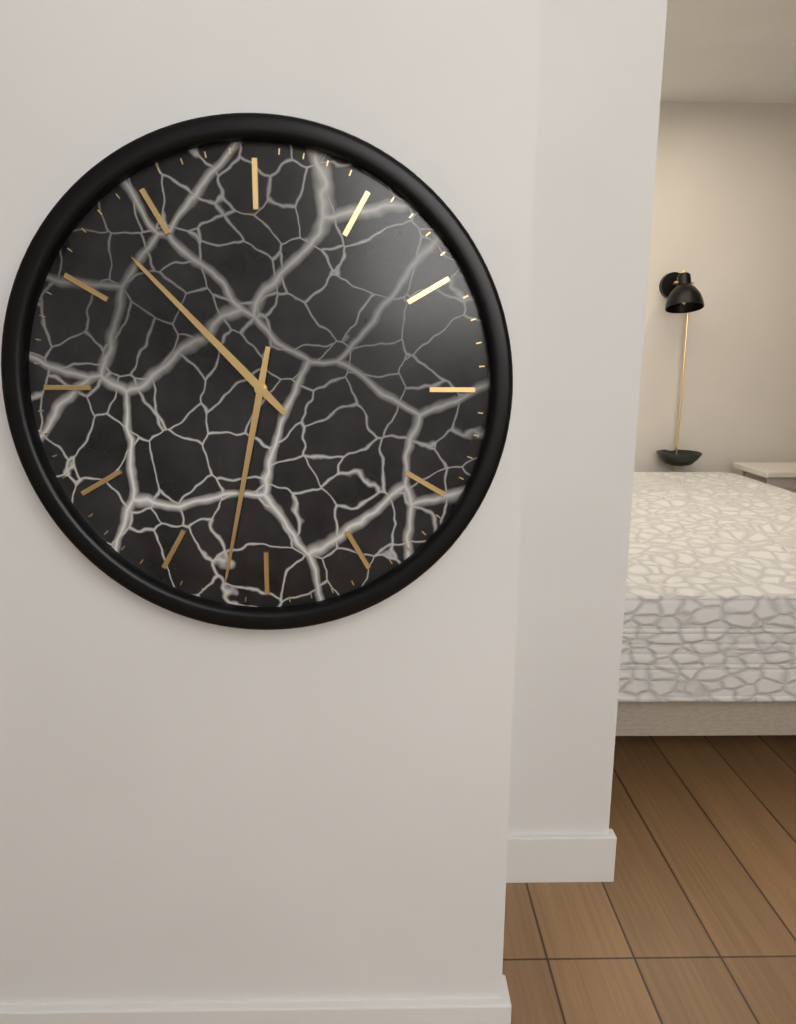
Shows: 10:32
